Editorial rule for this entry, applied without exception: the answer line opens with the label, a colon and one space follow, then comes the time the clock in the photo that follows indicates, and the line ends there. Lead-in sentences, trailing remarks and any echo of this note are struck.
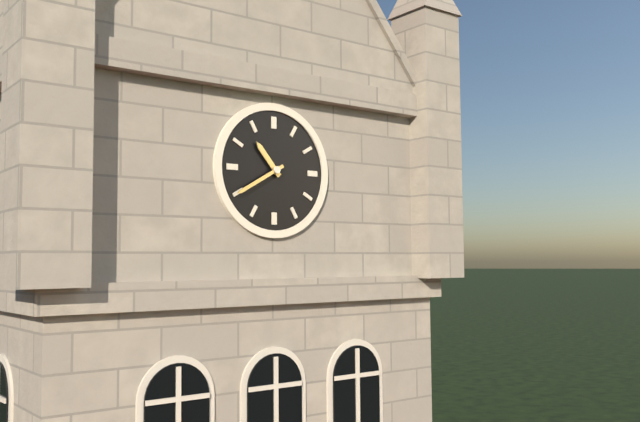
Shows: 10:40
